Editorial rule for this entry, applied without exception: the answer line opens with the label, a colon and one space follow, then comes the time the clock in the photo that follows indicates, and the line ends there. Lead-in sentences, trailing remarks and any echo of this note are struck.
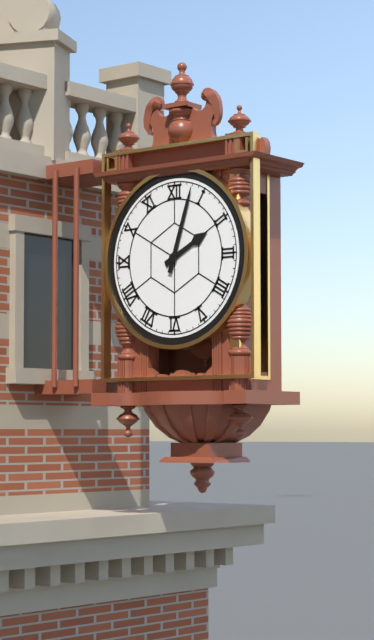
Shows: 2:03
